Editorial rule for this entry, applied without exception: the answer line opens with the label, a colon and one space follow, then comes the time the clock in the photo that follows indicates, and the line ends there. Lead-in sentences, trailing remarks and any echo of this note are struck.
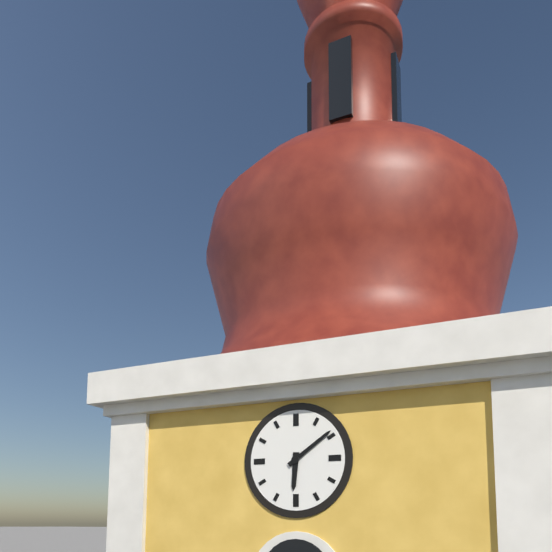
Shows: 6:09
